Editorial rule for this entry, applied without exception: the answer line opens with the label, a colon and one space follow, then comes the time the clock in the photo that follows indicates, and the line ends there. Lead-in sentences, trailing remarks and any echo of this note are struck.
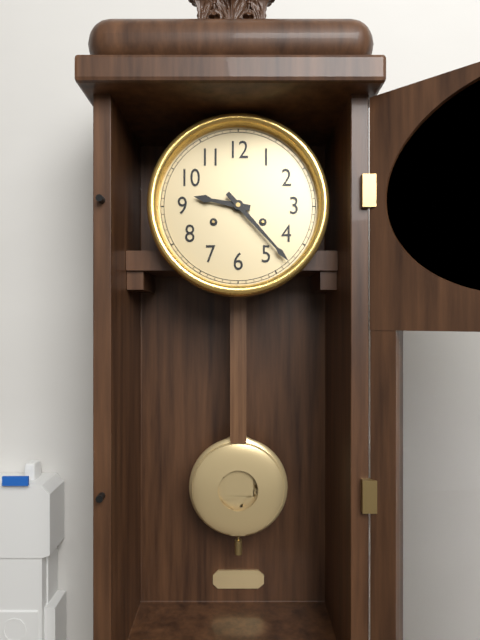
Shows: 9:23
